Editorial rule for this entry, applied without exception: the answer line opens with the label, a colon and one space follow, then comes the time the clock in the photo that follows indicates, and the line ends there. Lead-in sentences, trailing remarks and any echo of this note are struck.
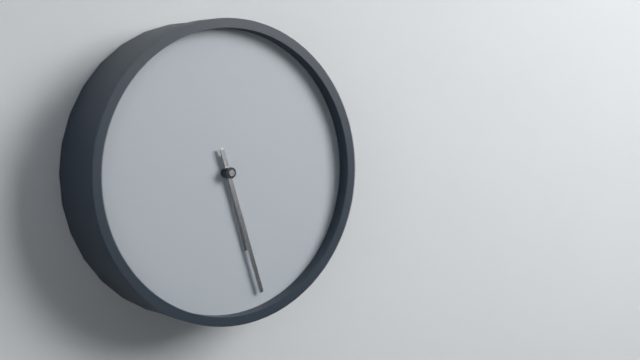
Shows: 5:27
